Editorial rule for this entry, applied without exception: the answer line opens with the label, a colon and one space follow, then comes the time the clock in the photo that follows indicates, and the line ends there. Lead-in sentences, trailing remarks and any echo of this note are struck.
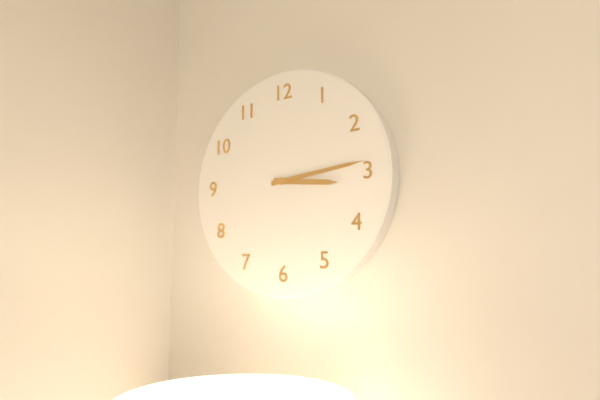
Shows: 3:14
